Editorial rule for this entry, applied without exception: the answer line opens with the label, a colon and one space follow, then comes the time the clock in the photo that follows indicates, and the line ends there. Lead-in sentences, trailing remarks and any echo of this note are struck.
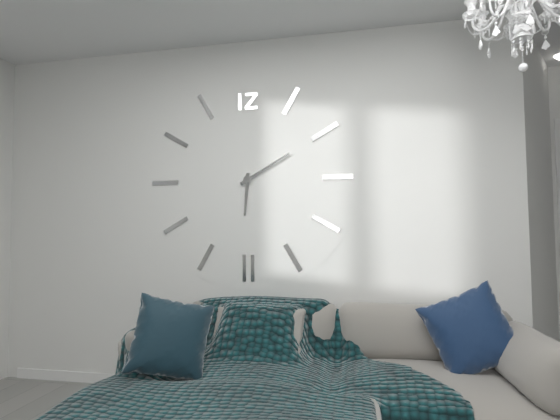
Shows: 6:10
